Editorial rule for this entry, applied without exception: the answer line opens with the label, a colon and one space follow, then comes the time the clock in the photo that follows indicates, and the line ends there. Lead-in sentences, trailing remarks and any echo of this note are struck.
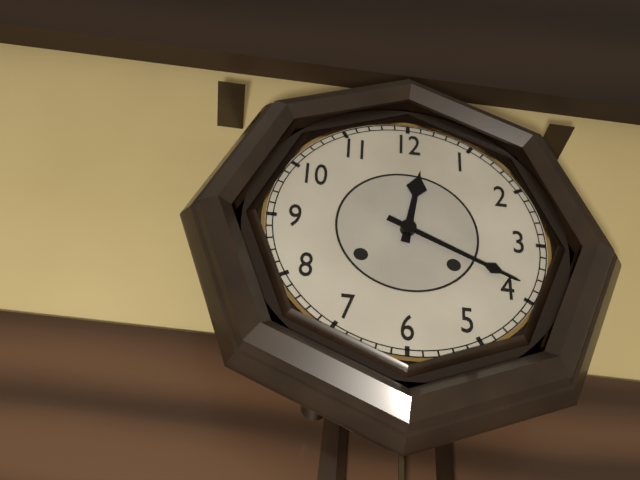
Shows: 12:19
